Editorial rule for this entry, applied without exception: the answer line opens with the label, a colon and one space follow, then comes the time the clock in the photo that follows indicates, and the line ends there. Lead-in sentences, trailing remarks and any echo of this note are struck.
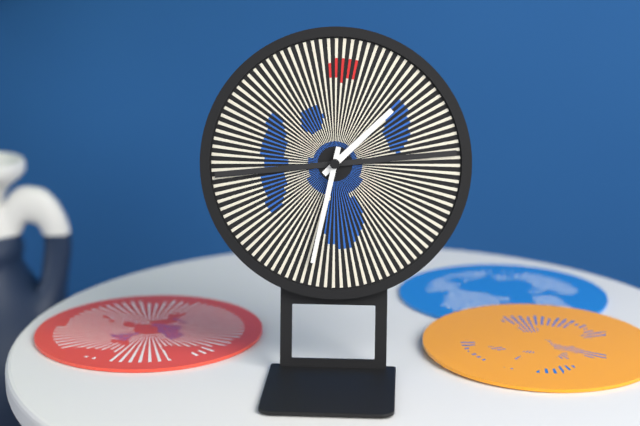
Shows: 1:32
